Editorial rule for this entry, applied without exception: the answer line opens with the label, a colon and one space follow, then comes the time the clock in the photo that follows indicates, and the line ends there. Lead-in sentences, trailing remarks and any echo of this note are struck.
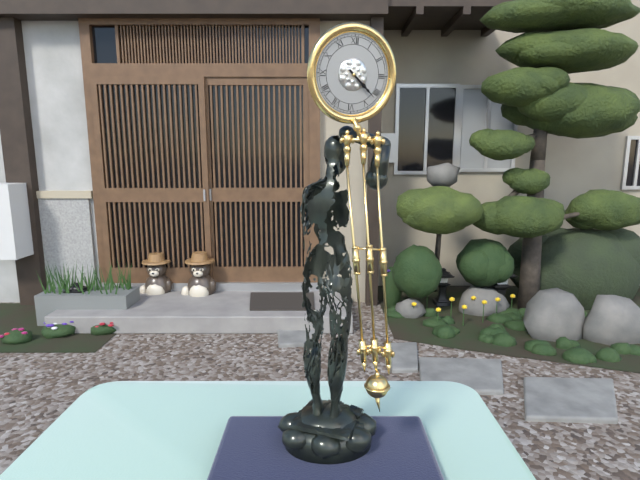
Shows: 4:22
